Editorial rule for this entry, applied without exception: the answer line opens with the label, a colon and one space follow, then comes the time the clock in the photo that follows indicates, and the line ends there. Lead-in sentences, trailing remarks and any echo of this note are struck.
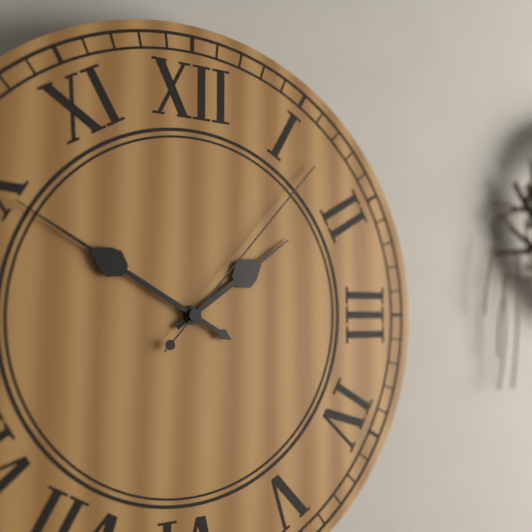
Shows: 1:50:07
